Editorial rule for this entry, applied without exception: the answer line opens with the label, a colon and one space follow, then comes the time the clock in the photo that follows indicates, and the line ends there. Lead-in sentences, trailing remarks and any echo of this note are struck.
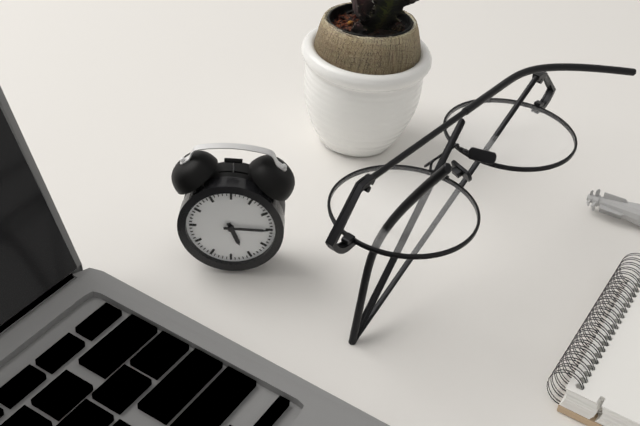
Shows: 5:15
